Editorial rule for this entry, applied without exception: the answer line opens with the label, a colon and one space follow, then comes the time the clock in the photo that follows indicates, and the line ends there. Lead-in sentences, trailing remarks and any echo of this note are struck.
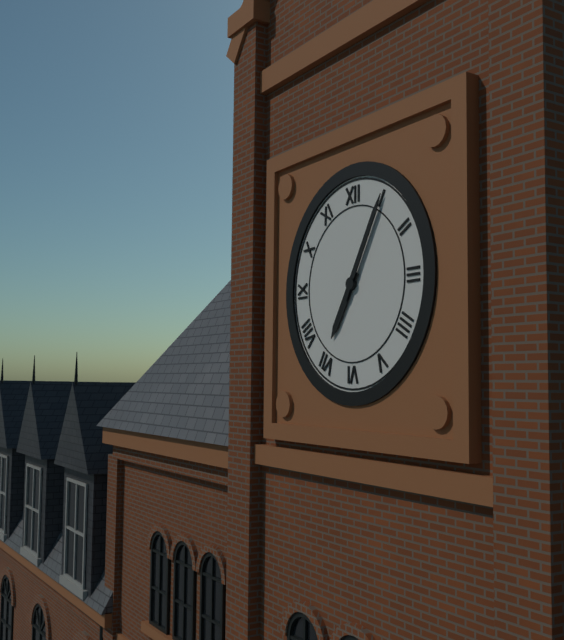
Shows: 7:05
